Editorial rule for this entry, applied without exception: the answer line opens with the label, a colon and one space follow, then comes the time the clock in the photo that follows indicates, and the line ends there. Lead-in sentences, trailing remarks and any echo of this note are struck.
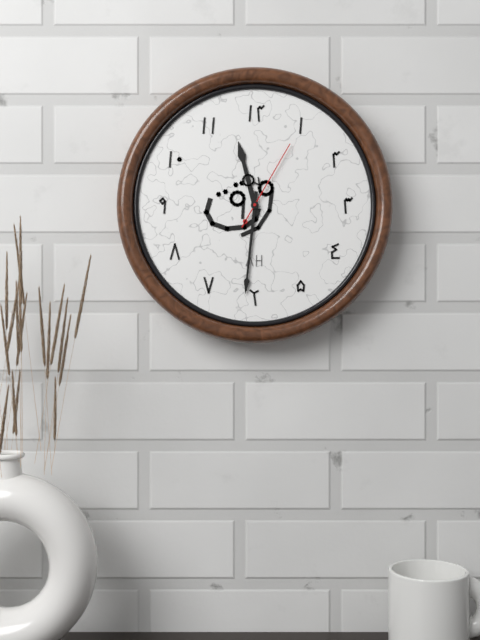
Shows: 11:31:05
